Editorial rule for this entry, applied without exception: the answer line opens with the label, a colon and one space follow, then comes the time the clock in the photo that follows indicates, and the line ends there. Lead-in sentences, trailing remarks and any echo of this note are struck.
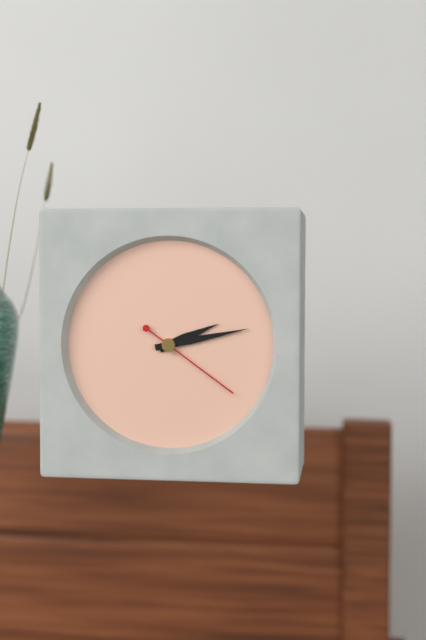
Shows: 2:13:21
